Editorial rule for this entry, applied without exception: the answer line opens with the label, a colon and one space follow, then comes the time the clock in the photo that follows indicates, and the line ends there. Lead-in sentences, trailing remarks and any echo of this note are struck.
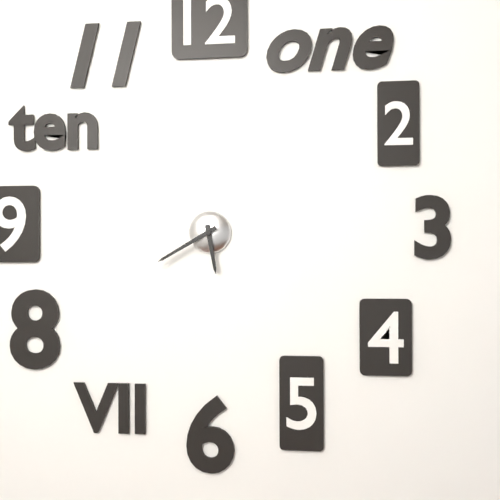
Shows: 5:40
